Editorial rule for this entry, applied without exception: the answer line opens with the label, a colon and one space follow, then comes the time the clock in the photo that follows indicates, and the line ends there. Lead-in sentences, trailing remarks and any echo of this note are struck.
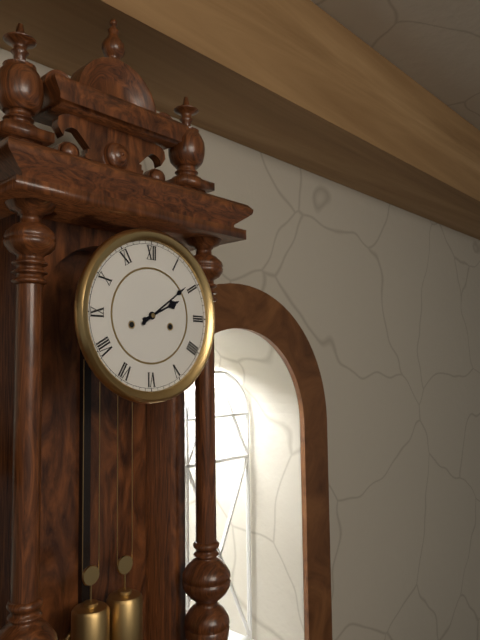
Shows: 2:09
